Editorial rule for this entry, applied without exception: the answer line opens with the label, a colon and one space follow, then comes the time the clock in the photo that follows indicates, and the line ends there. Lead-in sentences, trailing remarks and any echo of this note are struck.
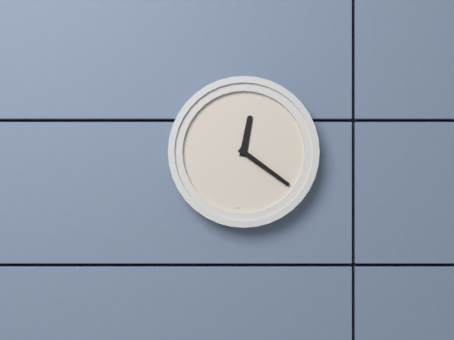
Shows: 12:21
